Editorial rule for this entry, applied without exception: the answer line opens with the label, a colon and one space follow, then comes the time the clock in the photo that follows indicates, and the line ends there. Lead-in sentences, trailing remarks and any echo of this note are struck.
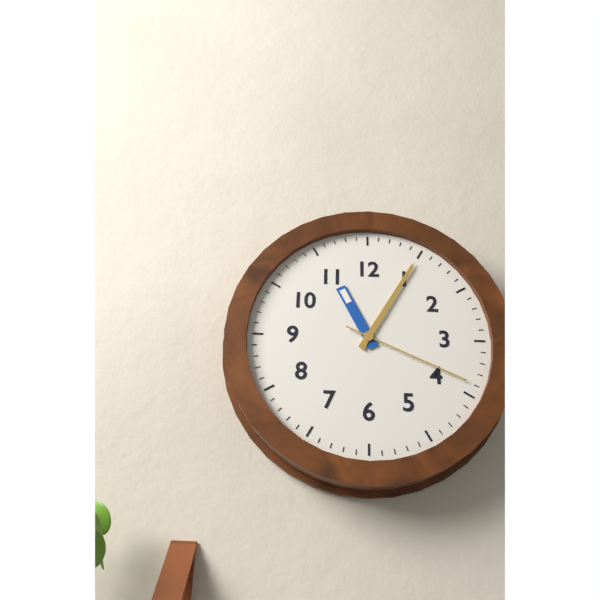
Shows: 11:05:19
